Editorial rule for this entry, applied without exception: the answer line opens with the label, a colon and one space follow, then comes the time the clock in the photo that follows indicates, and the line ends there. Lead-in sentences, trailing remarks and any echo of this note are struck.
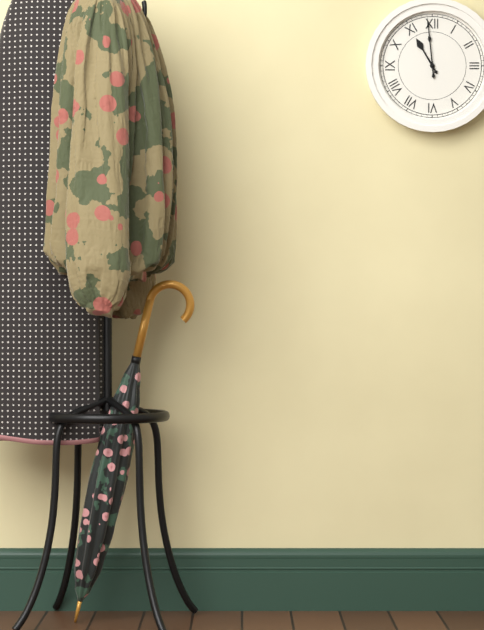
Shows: 10:59
